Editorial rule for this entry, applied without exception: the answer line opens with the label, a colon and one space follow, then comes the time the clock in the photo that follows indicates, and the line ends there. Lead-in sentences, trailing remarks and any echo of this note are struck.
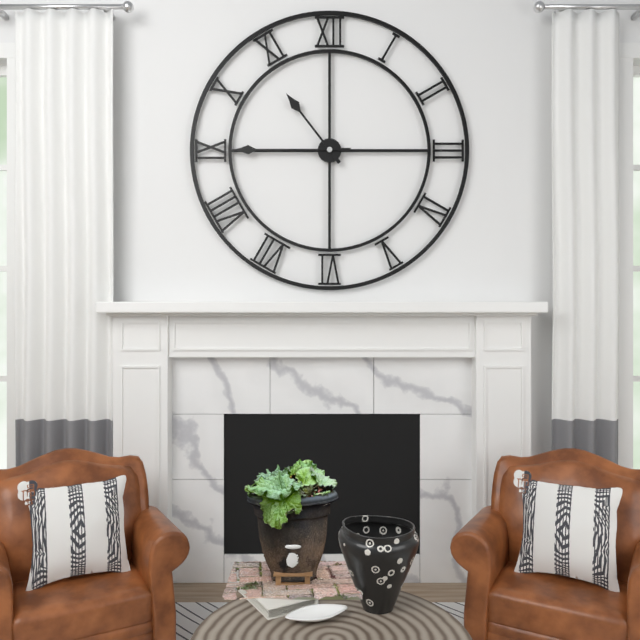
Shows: 10:45
